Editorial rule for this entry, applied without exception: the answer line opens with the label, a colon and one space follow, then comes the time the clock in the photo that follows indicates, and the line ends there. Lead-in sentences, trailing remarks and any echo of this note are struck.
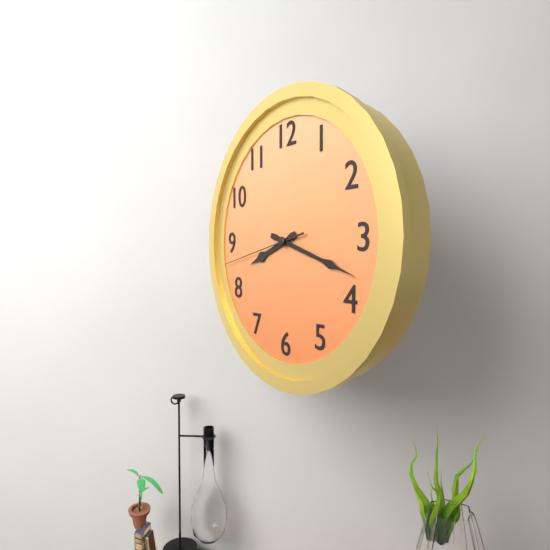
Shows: 8:18:43
